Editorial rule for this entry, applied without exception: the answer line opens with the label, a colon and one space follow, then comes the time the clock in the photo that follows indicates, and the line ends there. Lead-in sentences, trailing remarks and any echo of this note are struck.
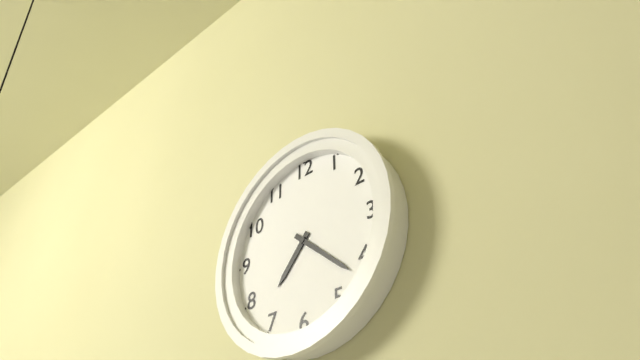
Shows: 7:22
